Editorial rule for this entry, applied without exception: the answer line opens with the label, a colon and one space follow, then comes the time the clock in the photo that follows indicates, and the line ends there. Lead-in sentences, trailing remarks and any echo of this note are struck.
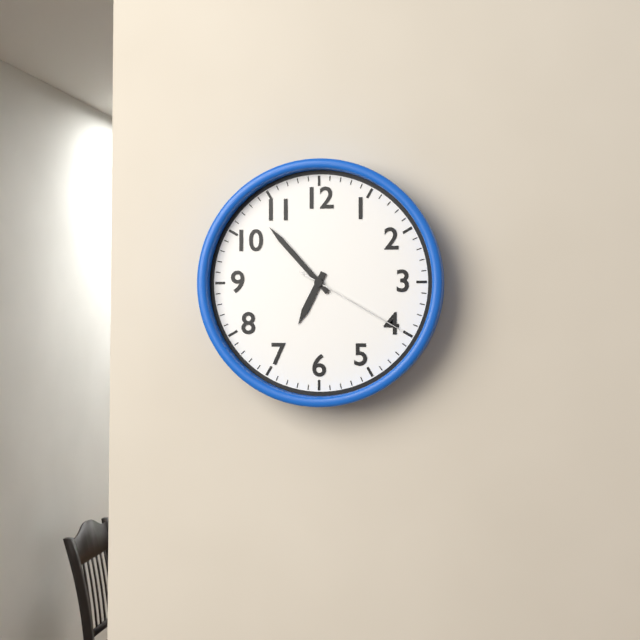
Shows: 6:53:20
